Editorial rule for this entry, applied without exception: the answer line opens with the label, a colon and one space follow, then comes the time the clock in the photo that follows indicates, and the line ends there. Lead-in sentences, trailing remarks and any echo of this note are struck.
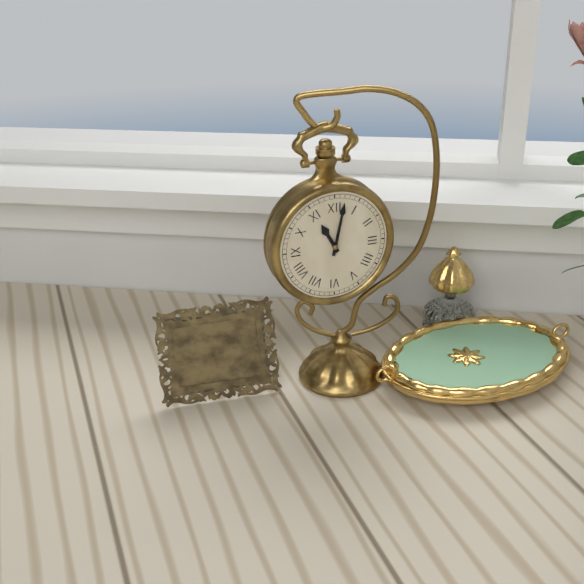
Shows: 11:02
